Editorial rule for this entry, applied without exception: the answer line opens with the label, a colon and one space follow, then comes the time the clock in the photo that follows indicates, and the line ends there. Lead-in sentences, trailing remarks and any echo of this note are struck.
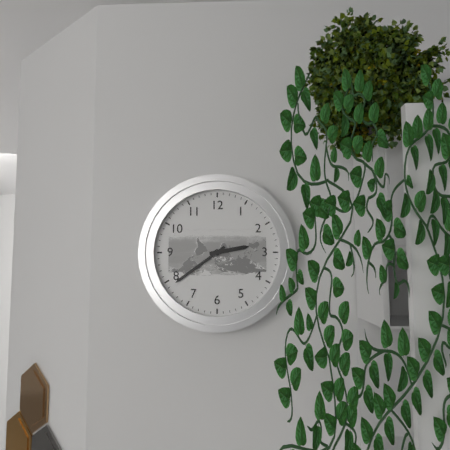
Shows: 2:39
